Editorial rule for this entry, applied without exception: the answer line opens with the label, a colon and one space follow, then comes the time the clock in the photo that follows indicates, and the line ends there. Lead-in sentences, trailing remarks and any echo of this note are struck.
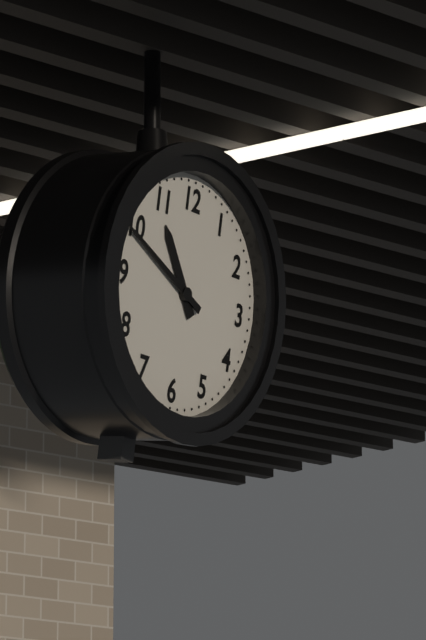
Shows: 10:49
